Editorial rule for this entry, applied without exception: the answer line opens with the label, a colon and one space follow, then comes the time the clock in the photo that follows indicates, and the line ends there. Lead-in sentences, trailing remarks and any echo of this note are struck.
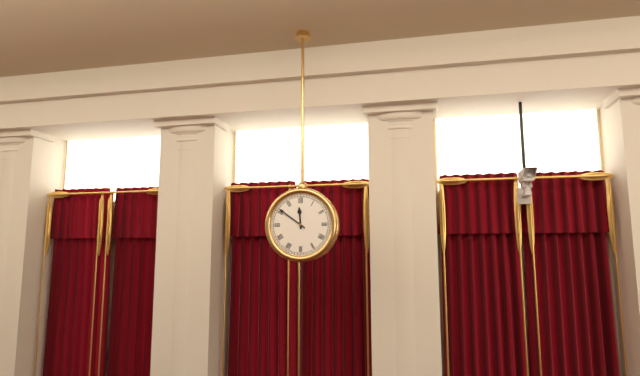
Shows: 11:51
